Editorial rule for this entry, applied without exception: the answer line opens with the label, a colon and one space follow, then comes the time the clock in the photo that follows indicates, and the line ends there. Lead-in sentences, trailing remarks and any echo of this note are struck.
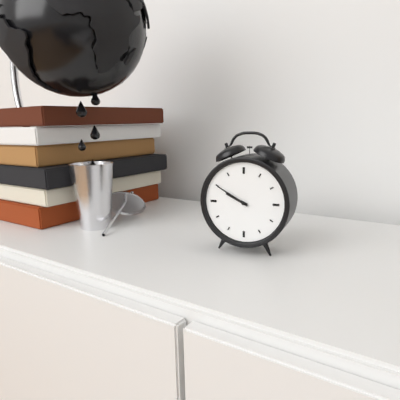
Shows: 9:50
